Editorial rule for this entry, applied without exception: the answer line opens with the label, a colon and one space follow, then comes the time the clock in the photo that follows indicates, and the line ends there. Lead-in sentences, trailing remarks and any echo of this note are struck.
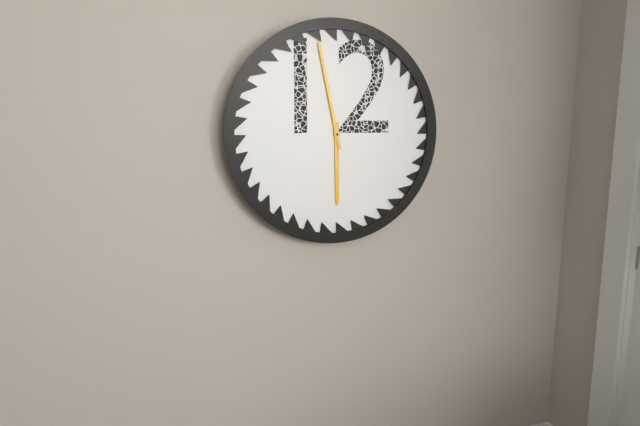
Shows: 5:58
